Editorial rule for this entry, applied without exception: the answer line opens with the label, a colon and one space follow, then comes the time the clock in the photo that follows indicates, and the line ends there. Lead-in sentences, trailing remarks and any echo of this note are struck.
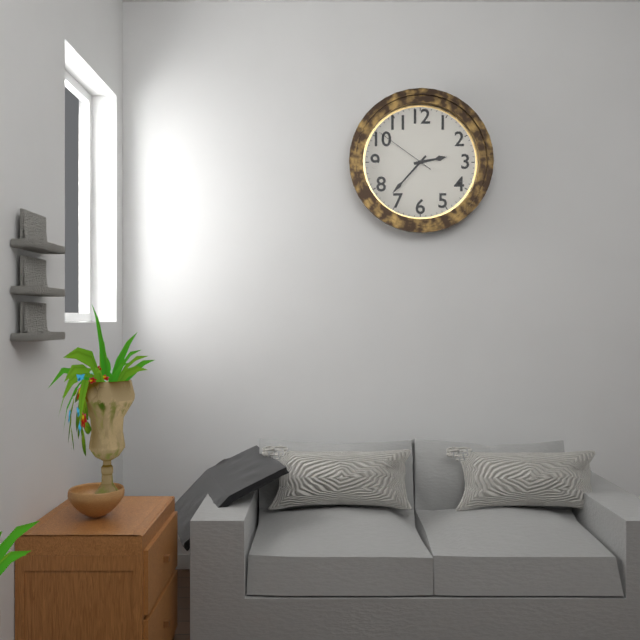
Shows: 2:37:51
